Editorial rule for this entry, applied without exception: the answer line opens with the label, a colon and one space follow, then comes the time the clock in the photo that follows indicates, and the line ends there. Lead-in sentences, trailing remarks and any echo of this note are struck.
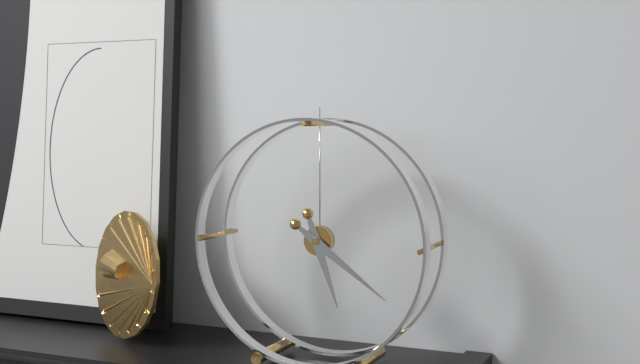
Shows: 5:21
